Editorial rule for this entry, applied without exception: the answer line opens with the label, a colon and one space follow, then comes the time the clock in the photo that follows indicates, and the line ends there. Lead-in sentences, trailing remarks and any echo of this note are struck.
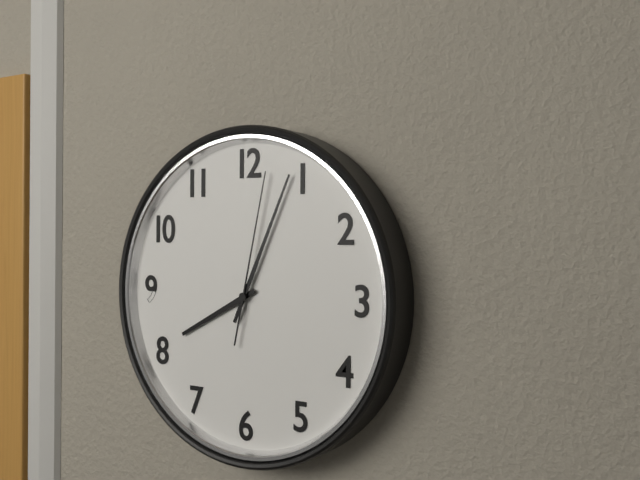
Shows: 8:04:02
